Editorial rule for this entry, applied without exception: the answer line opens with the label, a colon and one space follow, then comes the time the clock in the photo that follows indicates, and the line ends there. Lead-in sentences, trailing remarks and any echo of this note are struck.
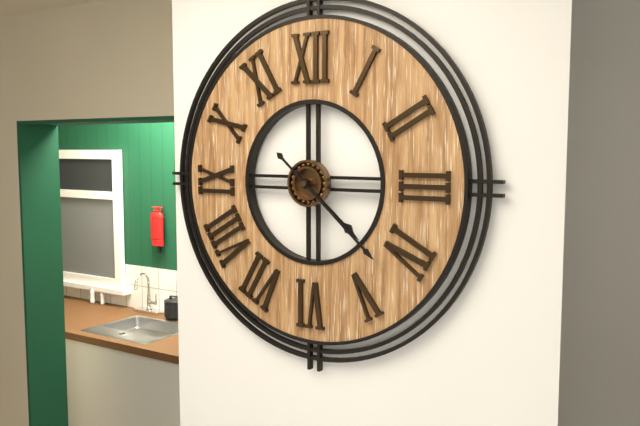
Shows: 4:22
